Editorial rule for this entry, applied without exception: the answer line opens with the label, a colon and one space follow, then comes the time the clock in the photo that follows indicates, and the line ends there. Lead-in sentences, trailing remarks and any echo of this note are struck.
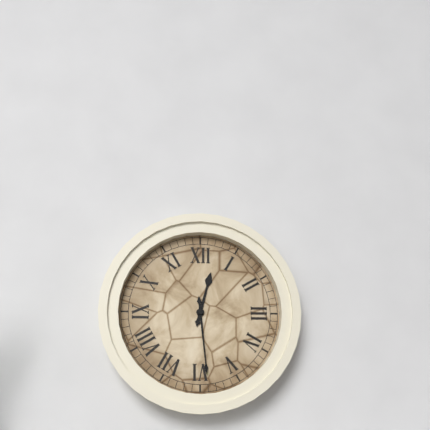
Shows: 12:29
